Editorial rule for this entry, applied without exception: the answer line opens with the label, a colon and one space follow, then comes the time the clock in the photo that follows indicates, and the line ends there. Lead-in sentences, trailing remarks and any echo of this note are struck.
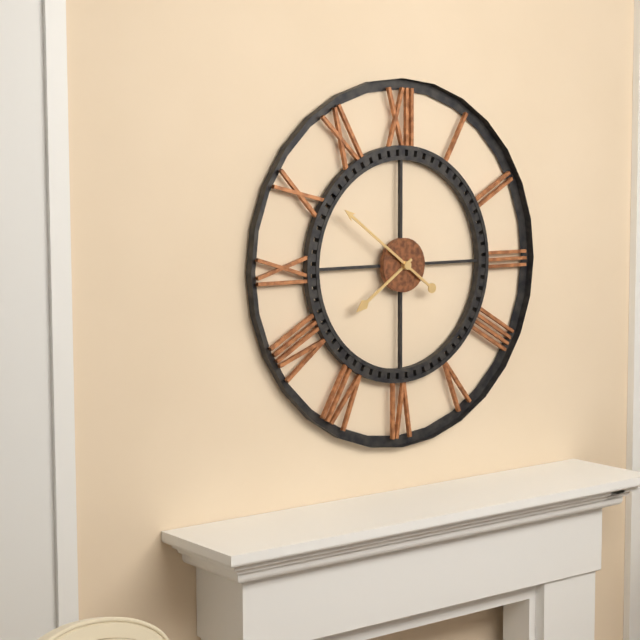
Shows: 7:51
